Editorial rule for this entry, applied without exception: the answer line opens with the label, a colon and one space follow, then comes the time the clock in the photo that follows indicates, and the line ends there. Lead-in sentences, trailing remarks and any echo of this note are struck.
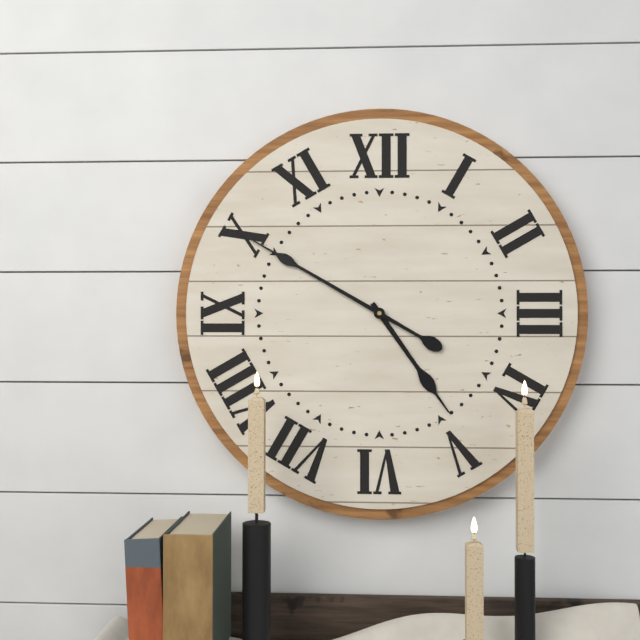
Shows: 4:50
